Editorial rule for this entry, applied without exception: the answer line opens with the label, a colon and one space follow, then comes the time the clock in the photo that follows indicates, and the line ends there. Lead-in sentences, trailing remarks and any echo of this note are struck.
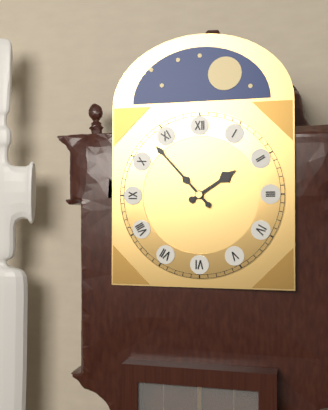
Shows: 1:53
